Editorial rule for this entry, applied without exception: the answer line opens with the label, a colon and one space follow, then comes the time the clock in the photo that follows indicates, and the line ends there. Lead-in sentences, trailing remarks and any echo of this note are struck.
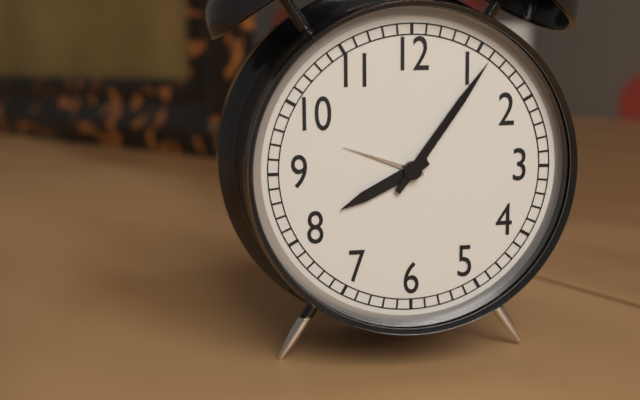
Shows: 8:06
